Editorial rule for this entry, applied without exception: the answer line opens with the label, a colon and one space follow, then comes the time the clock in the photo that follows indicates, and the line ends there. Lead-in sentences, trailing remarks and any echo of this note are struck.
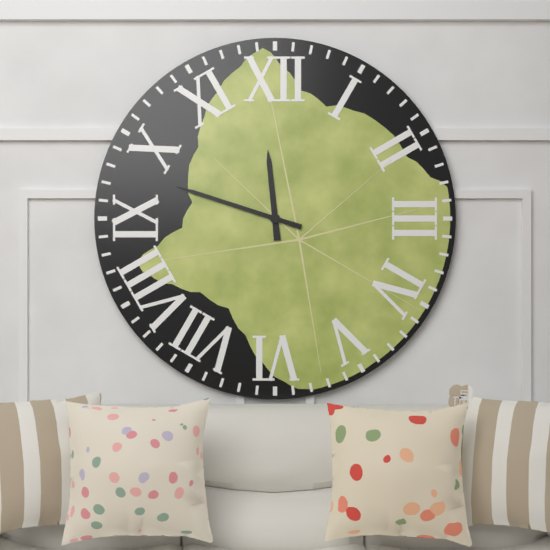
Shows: 11:48
